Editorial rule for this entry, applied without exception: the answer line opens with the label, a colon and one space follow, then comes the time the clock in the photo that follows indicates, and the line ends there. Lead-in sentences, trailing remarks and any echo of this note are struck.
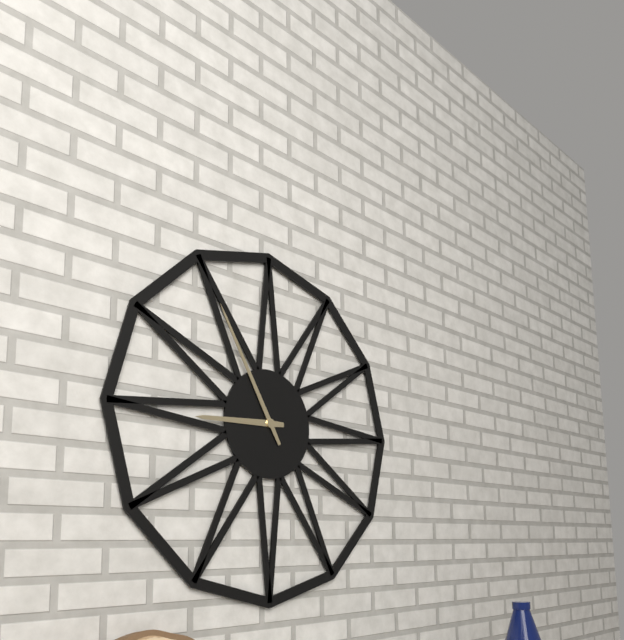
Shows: 8:55
